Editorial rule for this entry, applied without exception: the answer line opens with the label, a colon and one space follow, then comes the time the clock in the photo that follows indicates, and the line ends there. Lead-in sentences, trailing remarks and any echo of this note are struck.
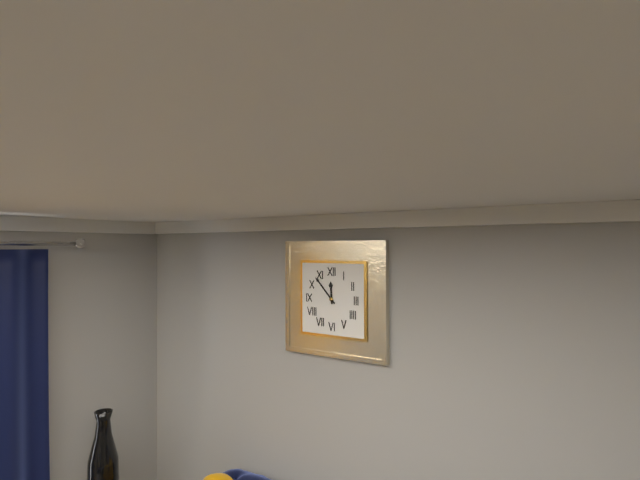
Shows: 11:53
